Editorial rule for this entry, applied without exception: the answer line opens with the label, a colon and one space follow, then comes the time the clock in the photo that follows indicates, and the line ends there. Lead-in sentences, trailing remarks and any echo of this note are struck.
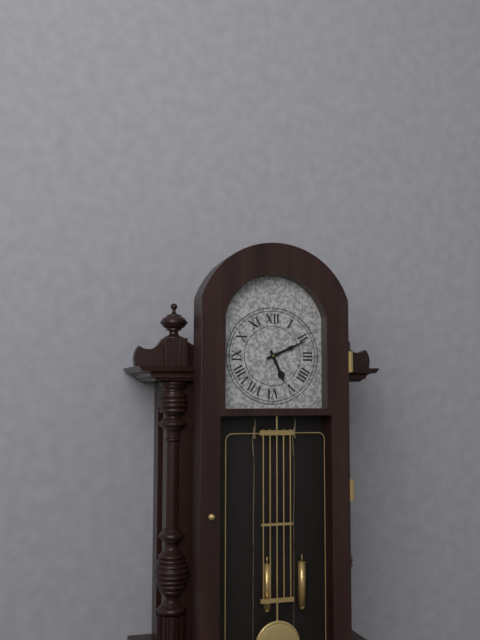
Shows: 5:11
